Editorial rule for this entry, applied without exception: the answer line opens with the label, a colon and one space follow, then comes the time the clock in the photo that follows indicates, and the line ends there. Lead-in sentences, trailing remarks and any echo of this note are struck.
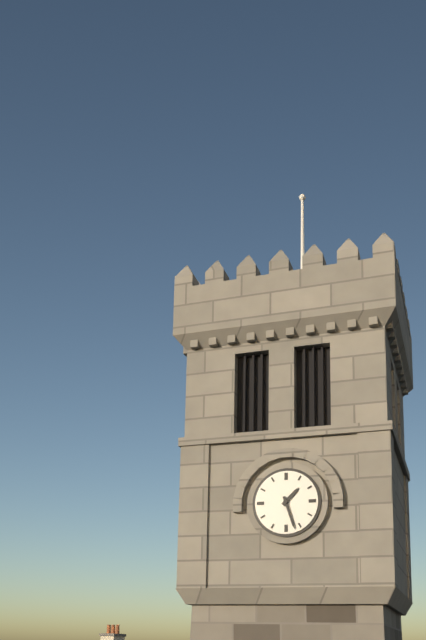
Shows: 1:27
